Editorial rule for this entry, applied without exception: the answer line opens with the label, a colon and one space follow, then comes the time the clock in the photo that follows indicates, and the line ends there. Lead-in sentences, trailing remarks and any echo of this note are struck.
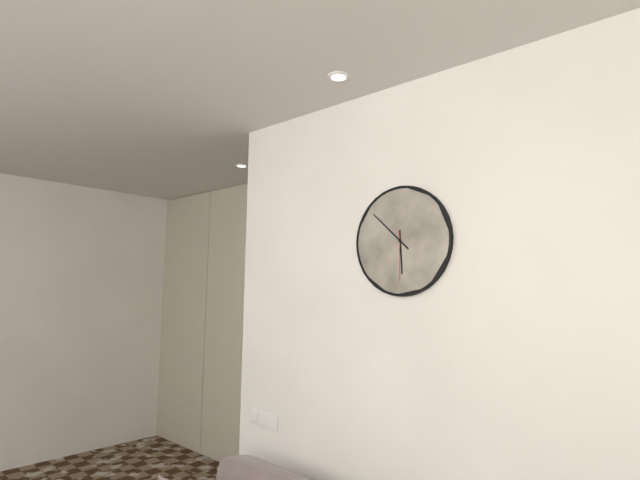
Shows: 5:52:30
